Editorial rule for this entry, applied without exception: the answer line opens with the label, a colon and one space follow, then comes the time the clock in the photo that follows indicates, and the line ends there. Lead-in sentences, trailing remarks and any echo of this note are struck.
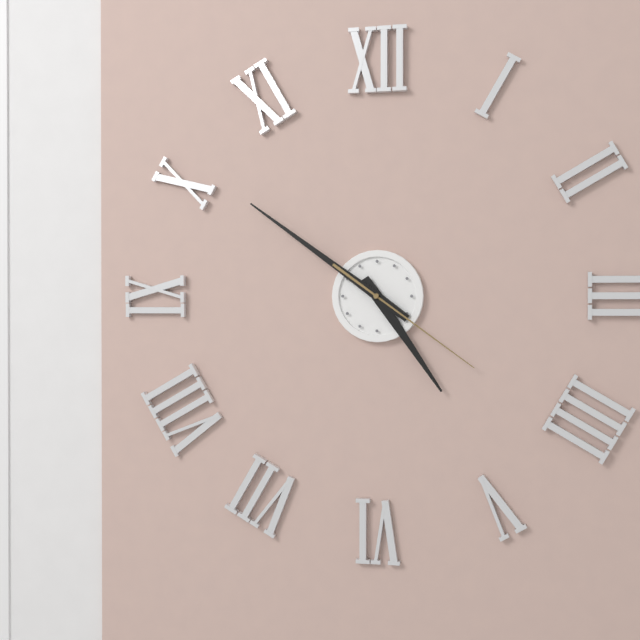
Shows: 4:51:21
